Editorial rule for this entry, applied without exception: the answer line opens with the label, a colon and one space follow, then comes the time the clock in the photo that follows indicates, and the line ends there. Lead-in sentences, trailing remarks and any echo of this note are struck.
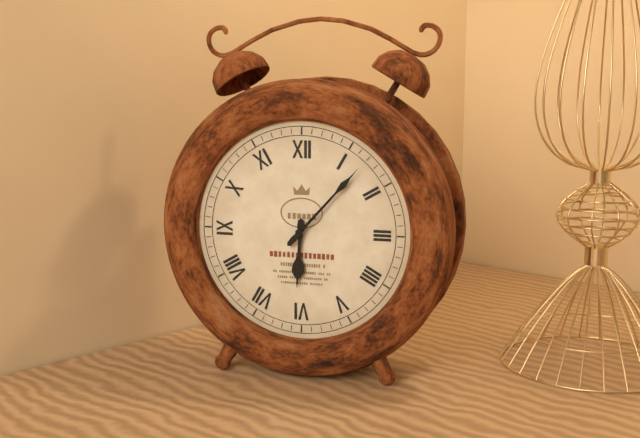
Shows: 6:07
